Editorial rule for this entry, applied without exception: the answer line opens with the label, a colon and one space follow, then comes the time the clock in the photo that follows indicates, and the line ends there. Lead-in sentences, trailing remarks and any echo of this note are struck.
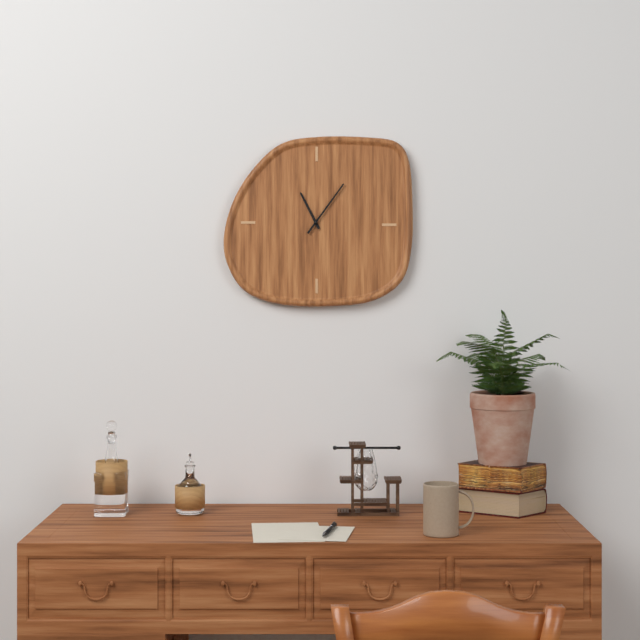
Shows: 11:06
